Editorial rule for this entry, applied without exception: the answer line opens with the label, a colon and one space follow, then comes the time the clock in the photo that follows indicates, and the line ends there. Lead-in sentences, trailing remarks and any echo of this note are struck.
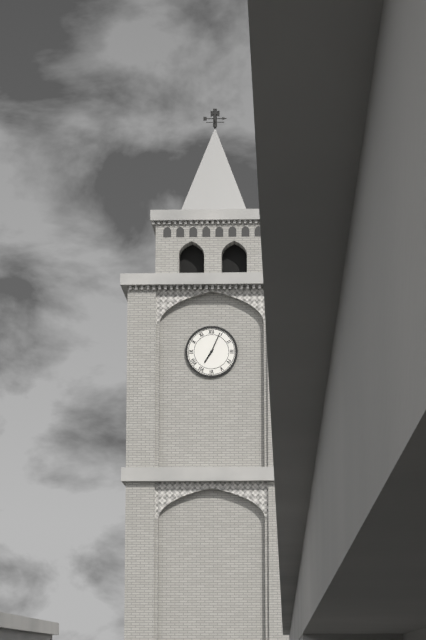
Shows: 7:04
